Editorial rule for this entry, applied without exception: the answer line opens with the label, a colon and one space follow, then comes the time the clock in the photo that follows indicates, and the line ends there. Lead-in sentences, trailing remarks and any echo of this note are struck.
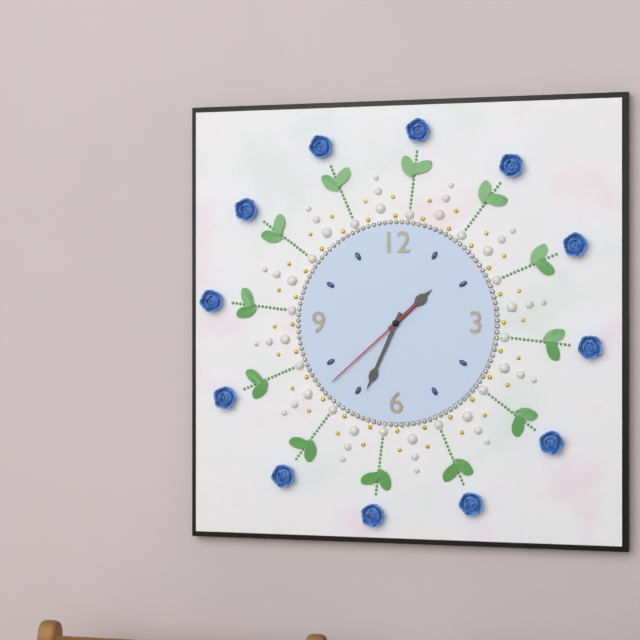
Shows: 1:34:38
